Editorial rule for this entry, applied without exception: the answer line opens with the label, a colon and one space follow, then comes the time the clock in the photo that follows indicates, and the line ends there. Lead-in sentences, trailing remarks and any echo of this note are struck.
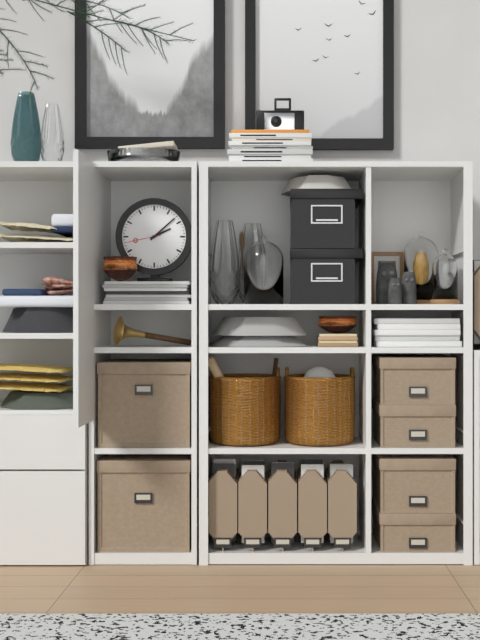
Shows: 2:08
